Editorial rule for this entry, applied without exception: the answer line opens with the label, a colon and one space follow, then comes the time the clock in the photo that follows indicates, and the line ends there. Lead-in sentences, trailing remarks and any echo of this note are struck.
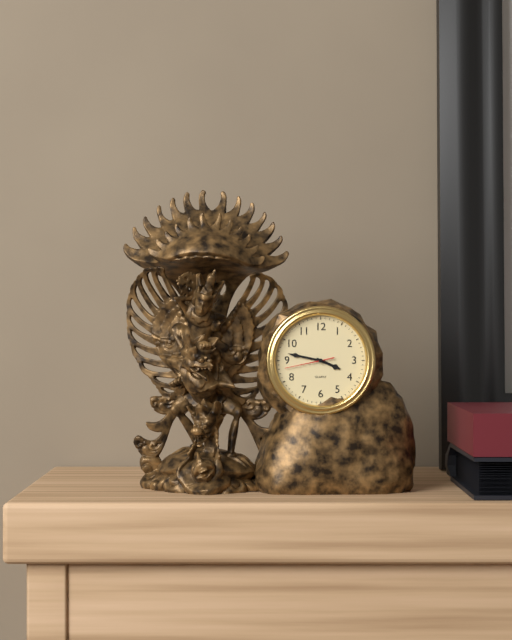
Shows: 3:47
